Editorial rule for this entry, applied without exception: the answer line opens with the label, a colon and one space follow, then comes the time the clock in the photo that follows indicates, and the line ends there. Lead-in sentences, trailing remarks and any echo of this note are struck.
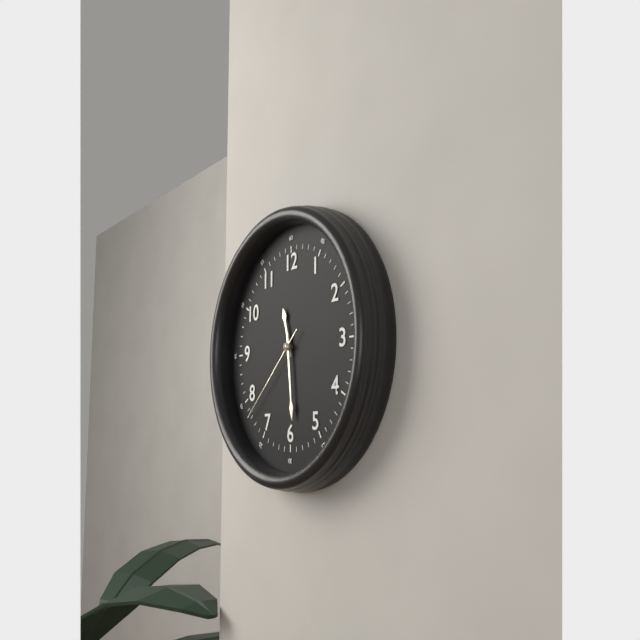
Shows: 11:29:38
